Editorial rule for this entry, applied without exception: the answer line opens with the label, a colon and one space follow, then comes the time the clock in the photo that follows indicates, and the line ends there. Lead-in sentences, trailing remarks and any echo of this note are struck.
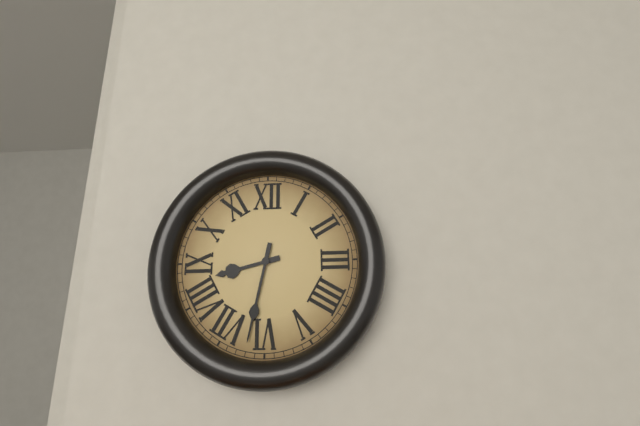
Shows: 8:32
